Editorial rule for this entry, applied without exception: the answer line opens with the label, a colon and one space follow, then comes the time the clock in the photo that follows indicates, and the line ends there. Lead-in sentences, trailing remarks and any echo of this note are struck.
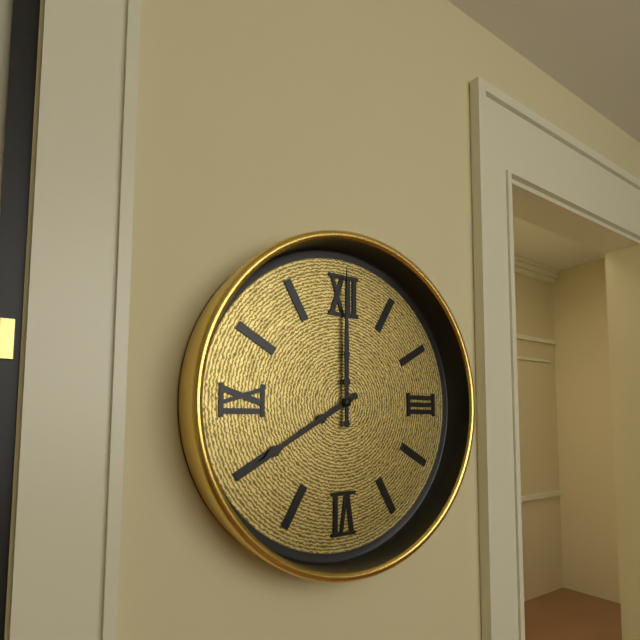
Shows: 8:00
